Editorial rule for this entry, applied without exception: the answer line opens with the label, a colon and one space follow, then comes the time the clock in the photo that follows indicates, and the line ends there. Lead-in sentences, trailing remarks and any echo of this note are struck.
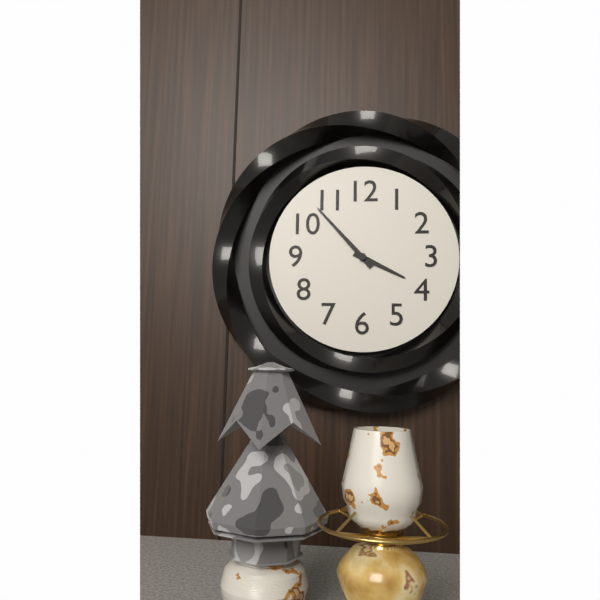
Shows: 3:53
